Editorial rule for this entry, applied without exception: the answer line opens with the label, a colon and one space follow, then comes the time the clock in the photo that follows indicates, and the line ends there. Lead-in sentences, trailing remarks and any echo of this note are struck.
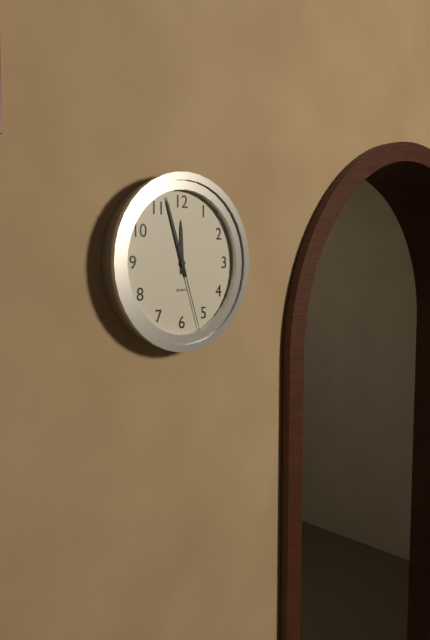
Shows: 11:57:27
